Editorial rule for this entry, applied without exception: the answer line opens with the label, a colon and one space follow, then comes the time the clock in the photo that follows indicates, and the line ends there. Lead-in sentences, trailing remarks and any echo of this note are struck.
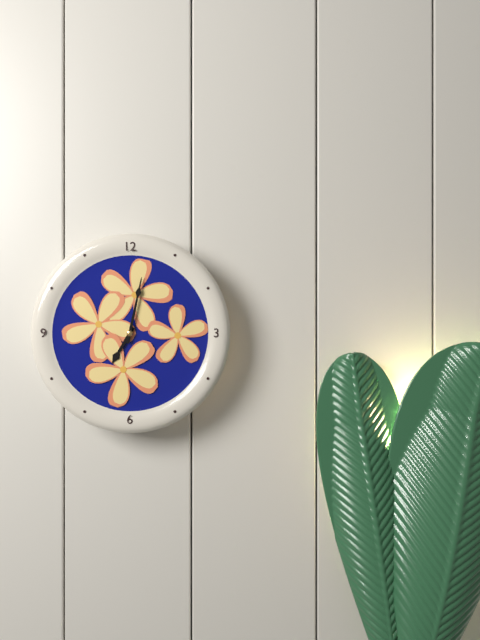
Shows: 7:02
